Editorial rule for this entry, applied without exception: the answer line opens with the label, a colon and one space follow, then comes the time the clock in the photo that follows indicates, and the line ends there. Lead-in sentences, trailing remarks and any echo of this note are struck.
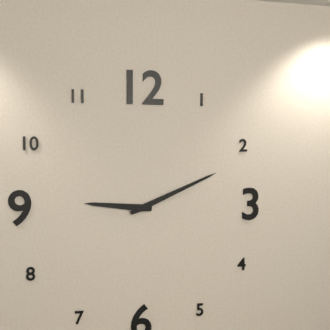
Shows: 9:11
